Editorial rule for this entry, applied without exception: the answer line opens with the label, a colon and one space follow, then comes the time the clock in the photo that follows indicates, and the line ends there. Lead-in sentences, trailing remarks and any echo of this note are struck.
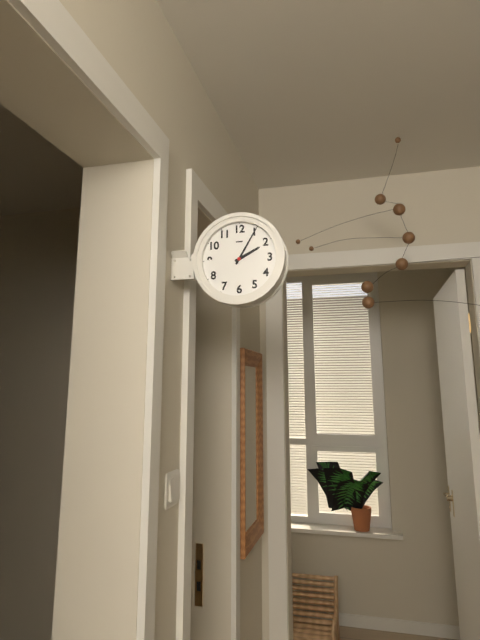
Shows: 2:05
